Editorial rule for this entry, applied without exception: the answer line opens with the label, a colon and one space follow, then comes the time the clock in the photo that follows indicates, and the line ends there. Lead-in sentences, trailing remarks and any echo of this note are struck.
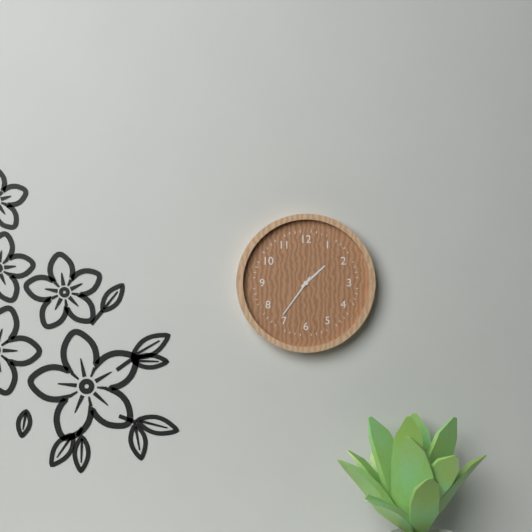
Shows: 1:36
